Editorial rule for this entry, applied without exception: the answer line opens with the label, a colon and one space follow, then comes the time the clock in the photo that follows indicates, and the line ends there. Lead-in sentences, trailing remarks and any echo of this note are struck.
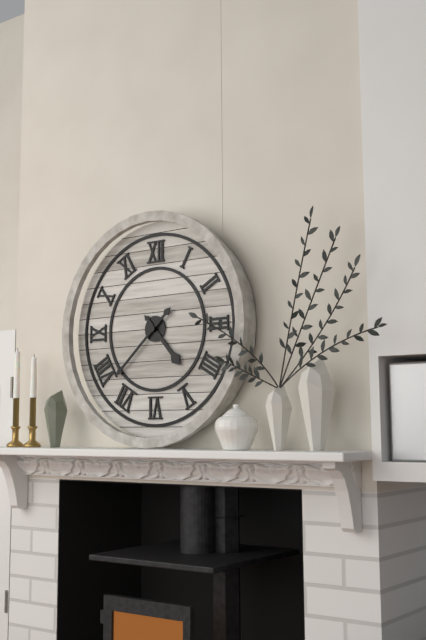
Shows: 4:38
